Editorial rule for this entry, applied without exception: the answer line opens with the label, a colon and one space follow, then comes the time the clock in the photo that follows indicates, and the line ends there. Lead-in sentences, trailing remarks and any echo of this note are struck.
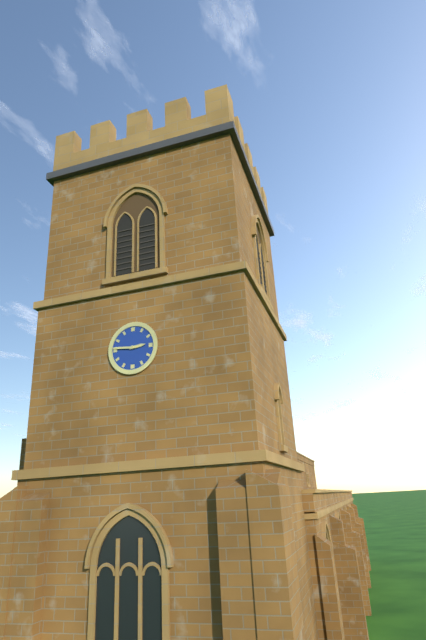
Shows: 2:46
